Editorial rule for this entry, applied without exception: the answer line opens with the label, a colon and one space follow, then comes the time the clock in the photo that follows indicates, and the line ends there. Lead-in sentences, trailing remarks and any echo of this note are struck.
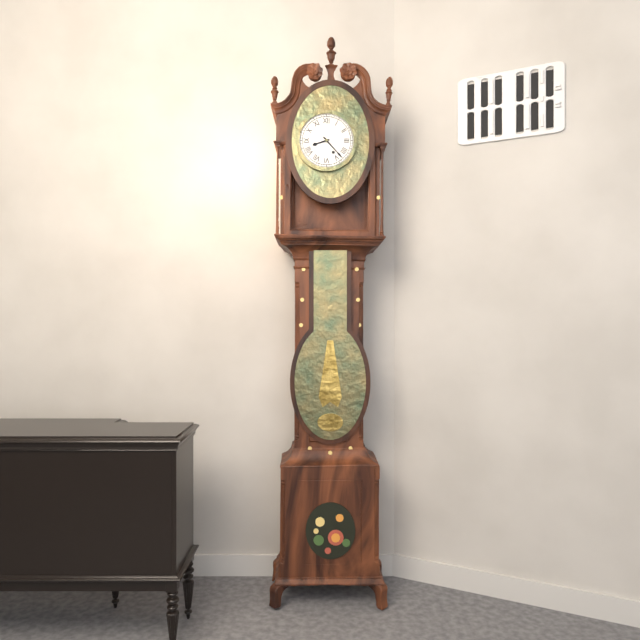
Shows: 8:23
